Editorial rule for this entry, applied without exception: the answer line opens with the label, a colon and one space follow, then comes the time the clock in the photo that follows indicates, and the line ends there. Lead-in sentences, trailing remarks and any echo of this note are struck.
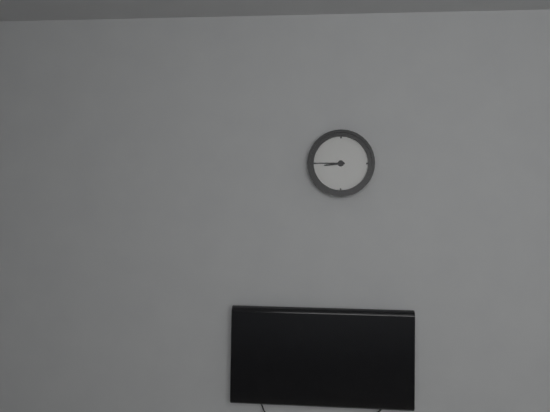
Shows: 8:45
